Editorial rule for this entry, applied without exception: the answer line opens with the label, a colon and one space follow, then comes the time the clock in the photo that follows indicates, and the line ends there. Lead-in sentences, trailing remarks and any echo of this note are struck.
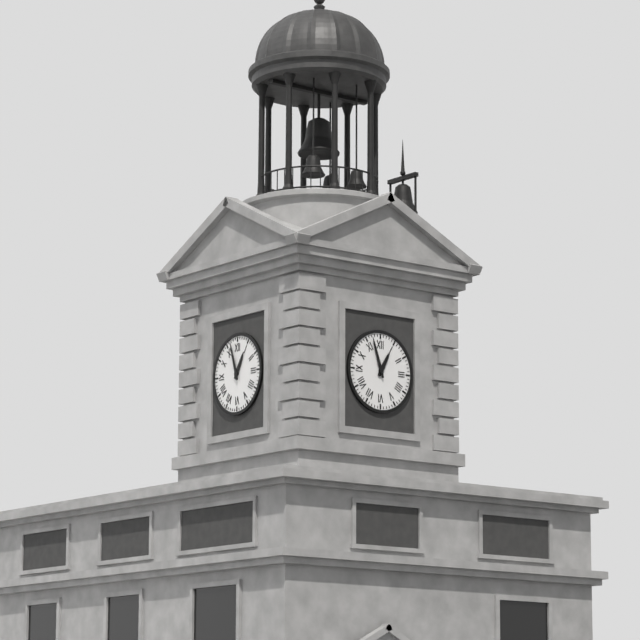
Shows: 12:57
